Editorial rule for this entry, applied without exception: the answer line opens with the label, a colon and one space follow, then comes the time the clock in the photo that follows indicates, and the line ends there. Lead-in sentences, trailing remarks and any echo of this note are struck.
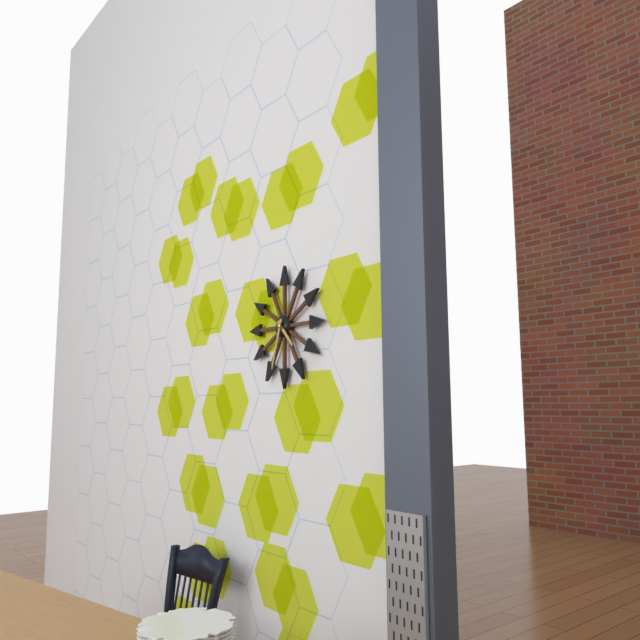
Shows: 4:33
